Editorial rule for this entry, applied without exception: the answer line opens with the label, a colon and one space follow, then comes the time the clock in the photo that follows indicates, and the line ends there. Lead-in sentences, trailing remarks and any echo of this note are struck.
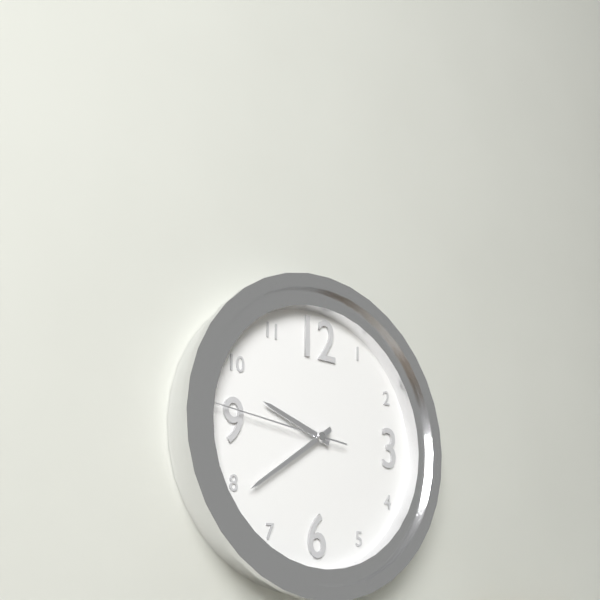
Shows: 9:39:46
